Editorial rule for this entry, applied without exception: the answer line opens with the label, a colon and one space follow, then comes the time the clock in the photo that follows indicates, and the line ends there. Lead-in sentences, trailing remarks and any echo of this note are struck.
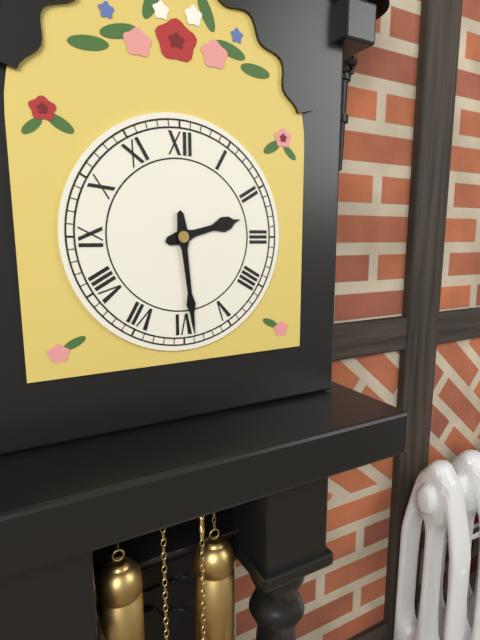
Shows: 2:29
